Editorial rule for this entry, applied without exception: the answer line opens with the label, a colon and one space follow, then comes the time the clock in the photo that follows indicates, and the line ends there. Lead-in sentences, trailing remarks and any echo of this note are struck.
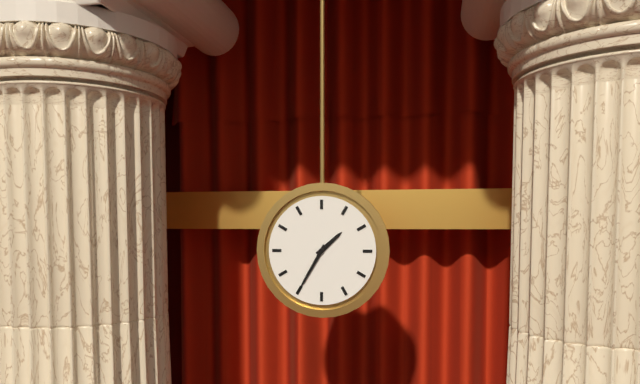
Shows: 1:35
